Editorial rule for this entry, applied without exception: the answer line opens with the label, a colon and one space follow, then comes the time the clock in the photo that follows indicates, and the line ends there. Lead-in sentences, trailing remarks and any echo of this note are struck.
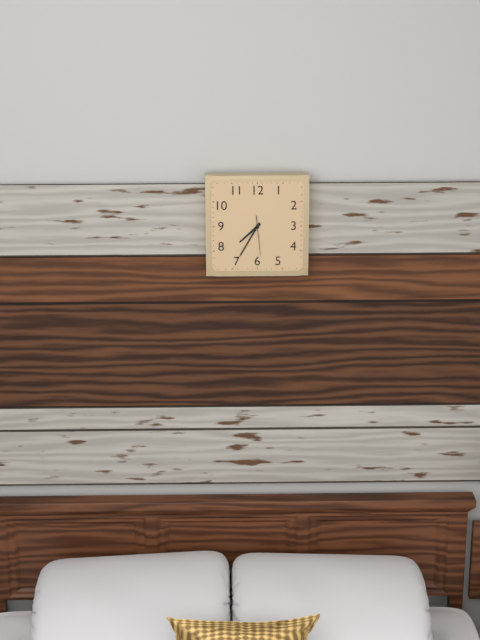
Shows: 7:35
